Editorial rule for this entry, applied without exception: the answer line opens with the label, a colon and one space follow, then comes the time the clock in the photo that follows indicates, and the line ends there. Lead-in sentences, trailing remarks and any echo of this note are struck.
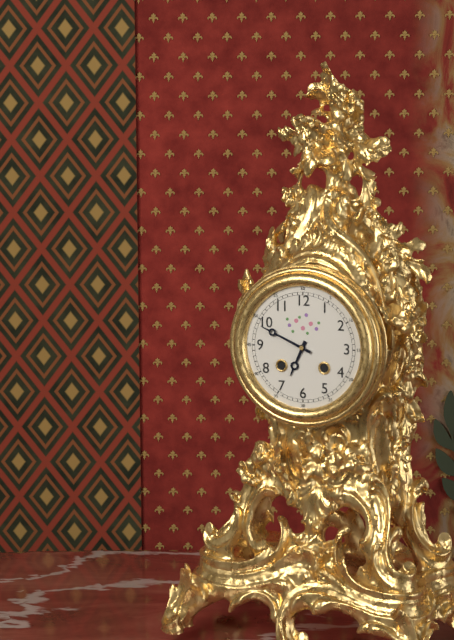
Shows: 6:49
